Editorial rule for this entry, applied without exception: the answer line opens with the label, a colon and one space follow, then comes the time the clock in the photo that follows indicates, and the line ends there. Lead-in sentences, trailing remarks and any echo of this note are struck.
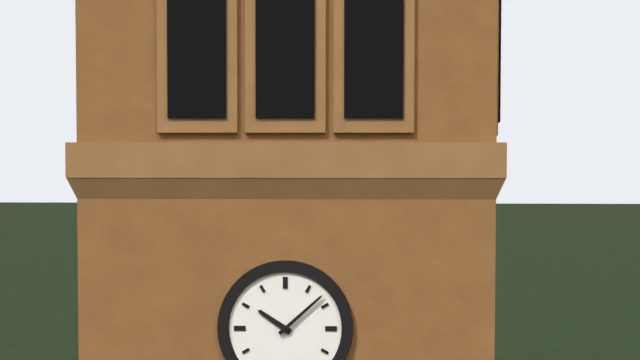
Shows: 10:08
